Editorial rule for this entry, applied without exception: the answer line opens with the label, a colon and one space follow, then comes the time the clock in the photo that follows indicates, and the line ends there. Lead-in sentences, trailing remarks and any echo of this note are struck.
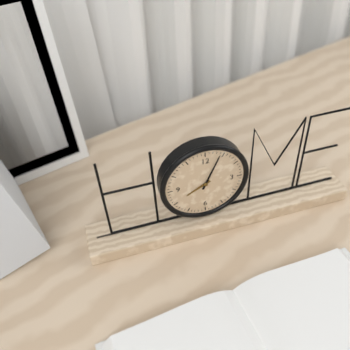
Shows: 8:04
